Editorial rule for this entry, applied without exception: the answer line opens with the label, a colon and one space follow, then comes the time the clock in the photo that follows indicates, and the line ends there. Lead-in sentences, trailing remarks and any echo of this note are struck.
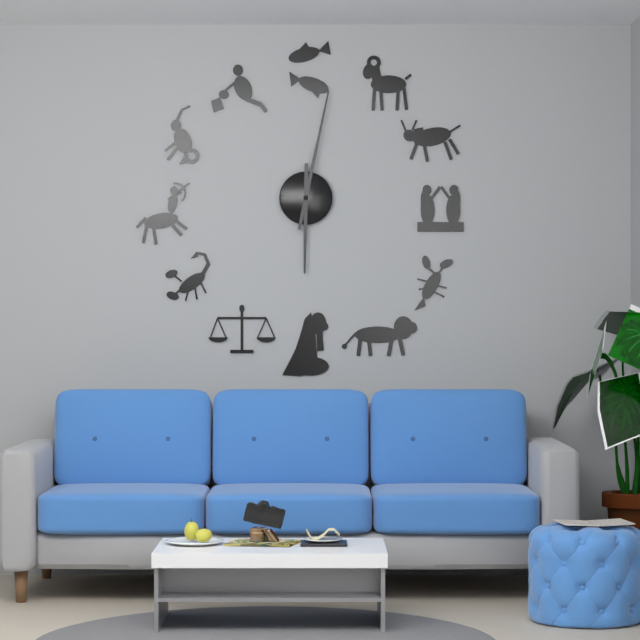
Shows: 6:02
